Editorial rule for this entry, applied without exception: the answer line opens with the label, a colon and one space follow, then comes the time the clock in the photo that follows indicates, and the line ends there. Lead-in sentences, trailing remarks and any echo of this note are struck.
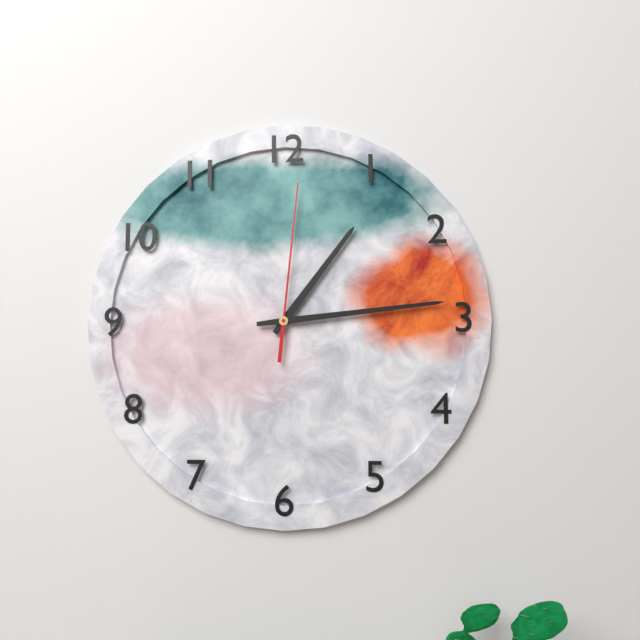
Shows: 1:14:01
